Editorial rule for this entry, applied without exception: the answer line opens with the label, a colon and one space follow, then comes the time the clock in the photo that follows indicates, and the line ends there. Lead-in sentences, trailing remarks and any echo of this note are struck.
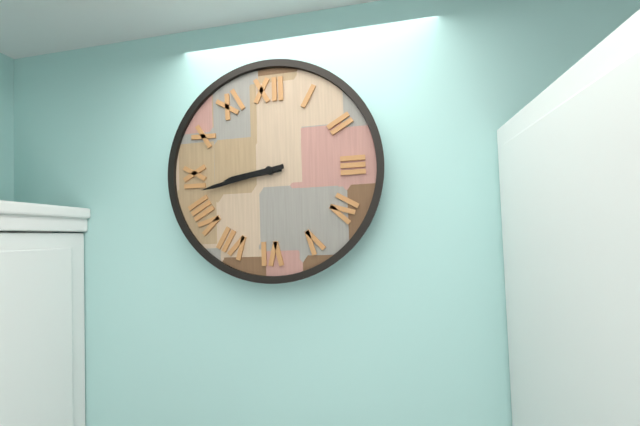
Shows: 8:43
